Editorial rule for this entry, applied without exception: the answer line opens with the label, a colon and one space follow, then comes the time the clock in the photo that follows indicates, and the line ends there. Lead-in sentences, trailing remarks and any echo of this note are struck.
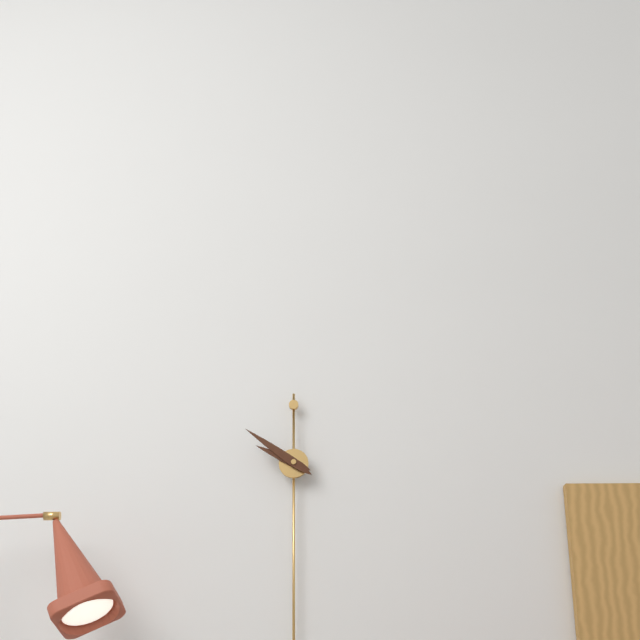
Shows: 9:51
